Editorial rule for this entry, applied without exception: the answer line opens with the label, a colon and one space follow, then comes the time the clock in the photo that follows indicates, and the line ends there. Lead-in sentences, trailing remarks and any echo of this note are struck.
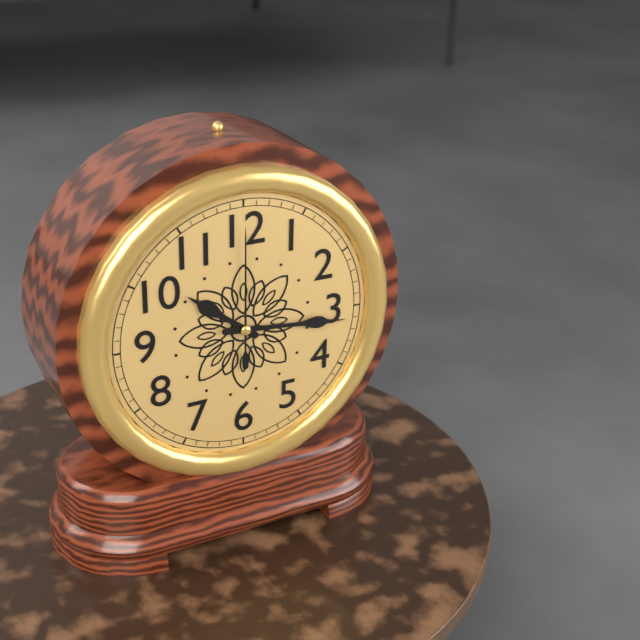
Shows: 10:16:00
